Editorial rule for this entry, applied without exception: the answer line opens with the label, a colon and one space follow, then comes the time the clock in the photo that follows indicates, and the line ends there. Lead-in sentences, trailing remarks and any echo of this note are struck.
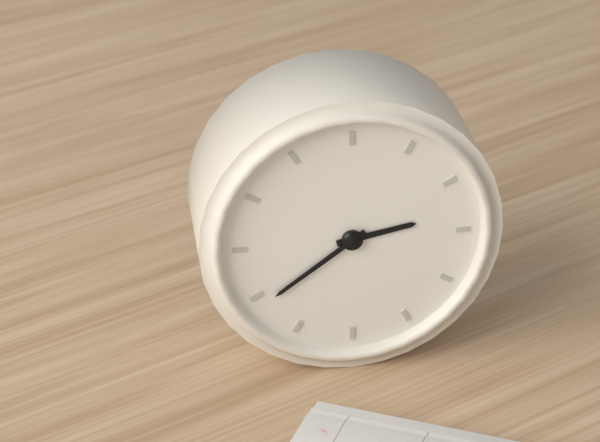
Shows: 2:39
